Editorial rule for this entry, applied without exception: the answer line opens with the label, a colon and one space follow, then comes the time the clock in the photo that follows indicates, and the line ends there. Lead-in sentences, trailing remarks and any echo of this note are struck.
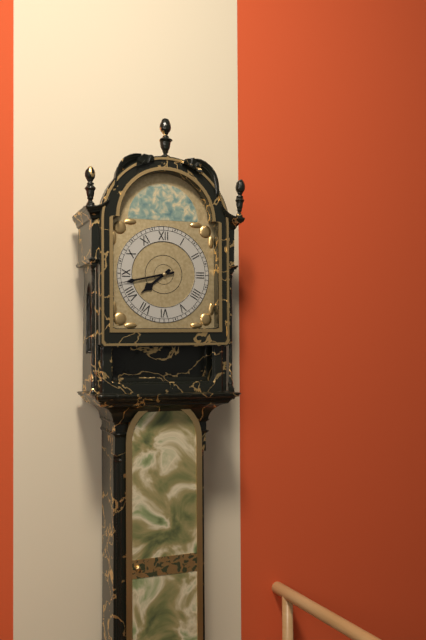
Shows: 7:43
